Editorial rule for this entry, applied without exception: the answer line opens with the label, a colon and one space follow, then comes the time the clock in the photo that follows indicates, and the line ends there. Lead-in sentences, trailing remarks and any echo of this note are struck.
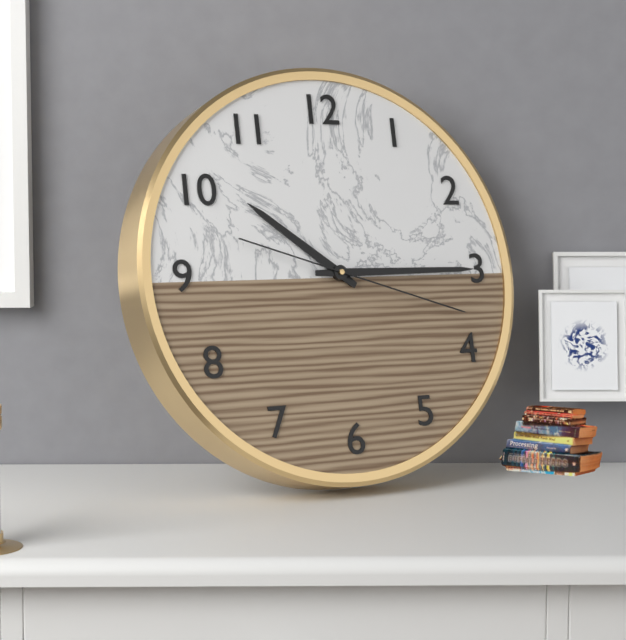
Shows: 10:15:18
